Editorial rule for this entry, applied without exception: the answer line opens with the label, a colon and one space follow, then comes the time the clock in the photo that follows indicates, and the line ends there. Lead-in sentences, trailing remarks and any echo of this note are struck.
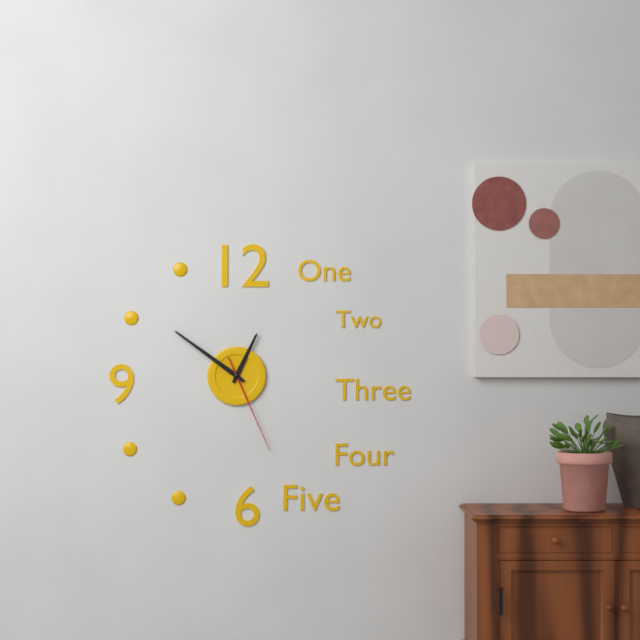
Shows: 12:51:26
